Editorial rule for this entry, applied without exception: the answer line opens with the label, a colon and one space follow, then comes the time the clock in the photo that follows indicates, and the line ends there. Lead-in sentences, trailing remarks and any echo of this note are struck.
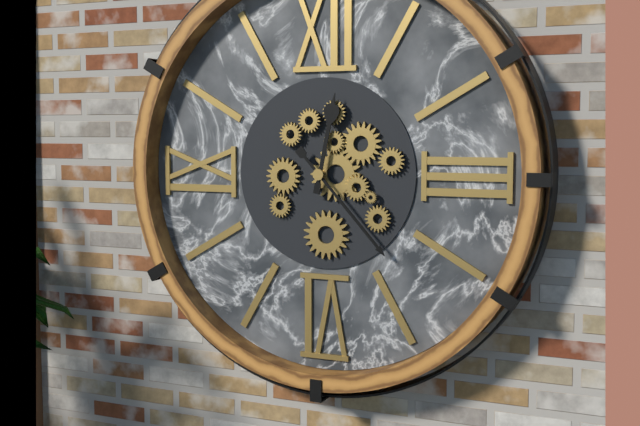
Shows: 12:23
